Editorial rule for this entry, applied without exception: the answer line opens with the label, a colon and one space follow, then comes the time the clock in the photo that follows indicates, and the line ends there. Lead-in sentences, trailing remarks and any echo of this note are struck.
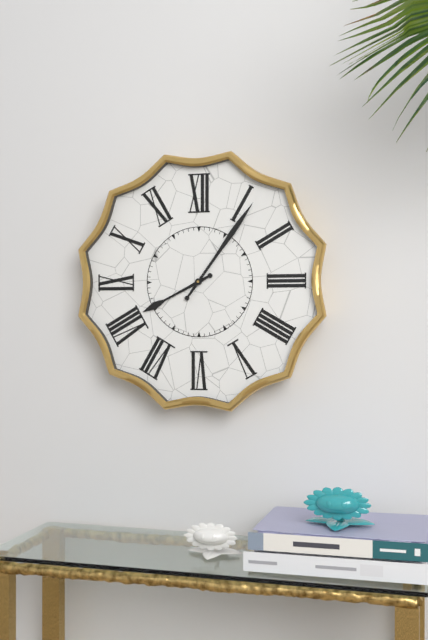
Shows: 8:06
